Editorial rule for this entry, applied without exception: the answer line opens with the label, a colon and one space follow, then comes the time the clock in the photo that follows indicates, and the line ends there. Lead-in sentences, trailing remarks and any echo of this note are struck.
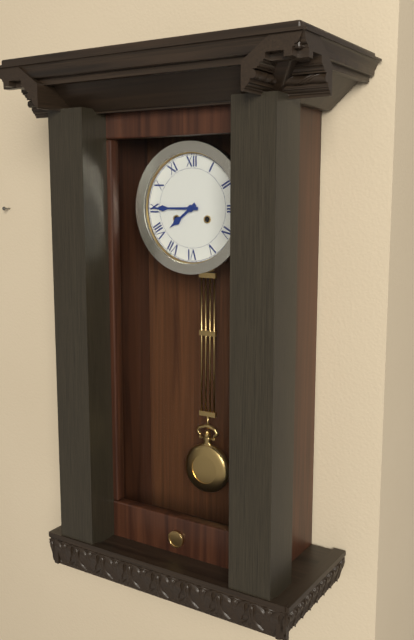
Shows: 7:45
